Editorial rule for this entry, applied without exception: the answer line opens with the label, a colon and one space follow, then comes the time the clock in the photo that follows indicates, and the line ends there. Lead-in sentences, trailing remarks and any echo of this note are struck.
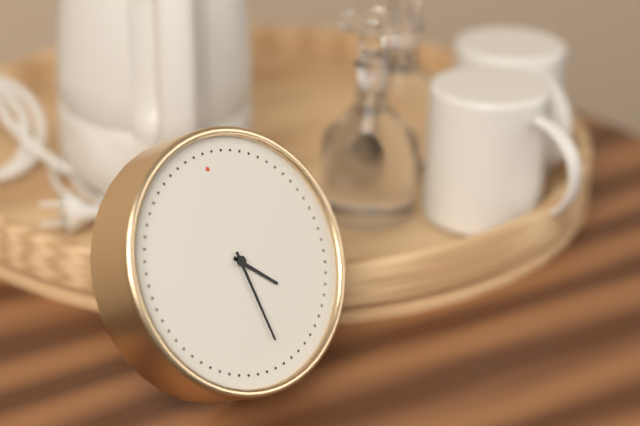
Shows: 4:29
